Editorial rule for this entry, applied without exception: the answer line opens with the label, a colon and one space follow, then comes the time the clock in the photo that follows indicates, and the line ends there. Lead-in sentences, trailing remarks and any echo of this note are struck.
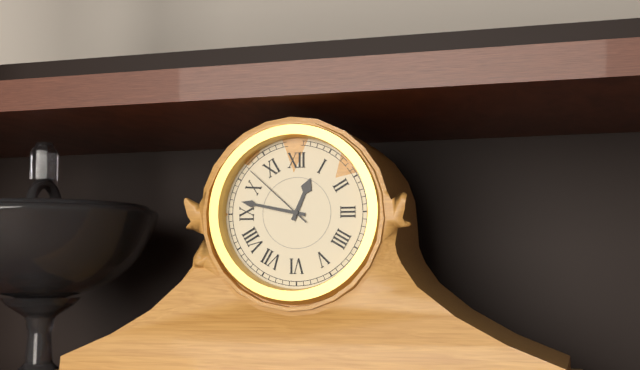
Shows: 12:47:52
